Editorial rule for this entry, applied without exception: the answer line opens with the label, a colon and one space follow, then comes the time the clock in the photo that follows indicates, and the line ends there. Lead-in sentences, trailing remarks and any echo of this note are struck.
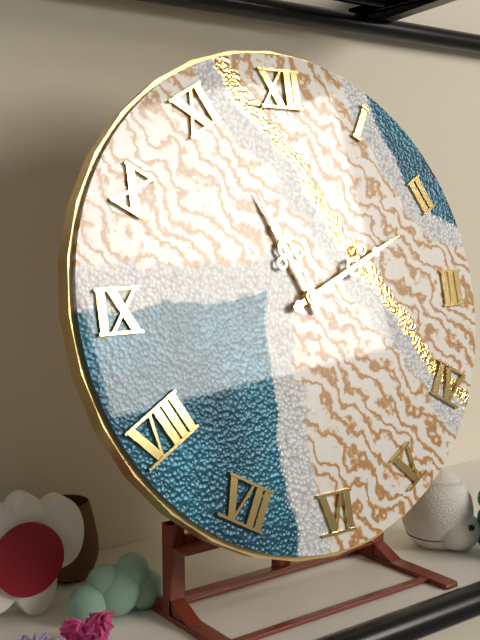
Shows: 11:11
